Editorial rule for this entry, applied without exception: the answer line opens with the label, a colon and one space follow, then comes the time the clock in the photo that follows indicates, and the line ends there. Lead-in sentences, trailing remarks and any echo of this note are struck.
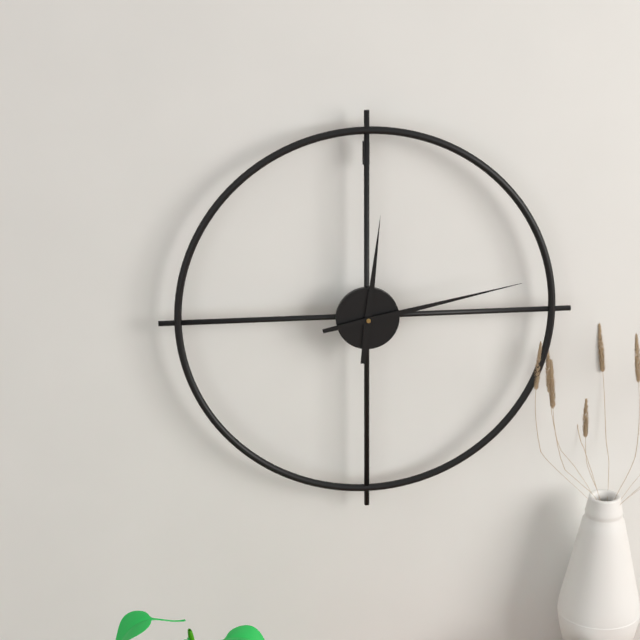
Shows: 12:13
